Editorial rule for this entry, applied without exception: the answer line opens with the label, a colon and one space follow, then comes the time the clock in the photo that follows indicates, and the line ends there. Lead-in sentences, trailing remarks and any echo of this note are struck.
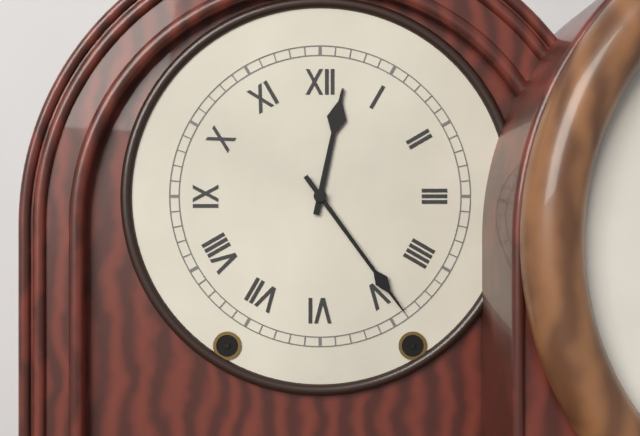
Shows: 12:24
